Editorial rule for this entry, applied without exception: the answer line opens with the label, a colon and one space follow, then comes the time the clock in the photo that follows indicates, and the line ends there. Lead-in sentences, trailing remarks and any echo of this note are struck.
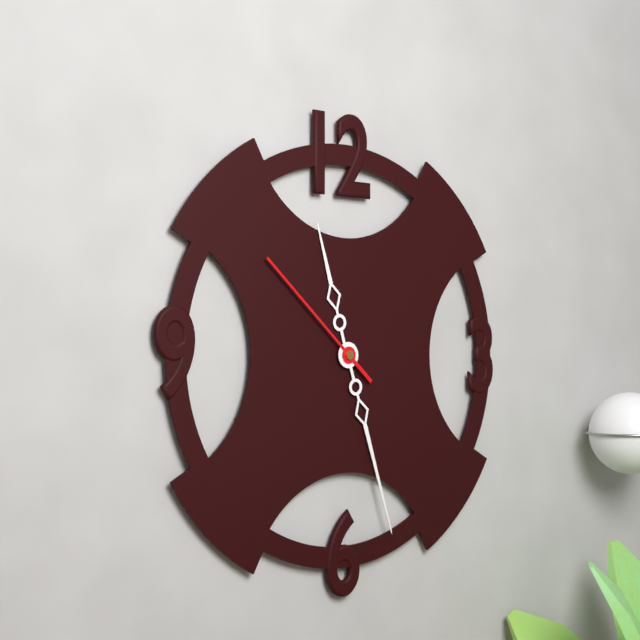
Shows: 11:27:52
